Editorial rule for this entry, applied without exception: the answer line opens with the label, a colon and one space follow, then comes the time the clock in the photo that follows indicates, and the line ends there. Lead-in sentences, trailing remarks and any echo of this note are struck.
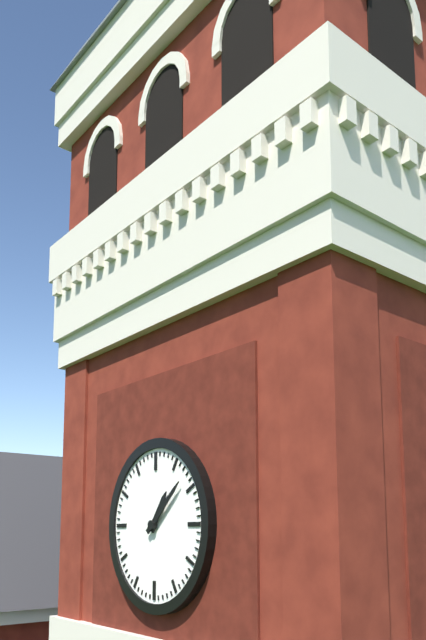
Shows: 1:08
